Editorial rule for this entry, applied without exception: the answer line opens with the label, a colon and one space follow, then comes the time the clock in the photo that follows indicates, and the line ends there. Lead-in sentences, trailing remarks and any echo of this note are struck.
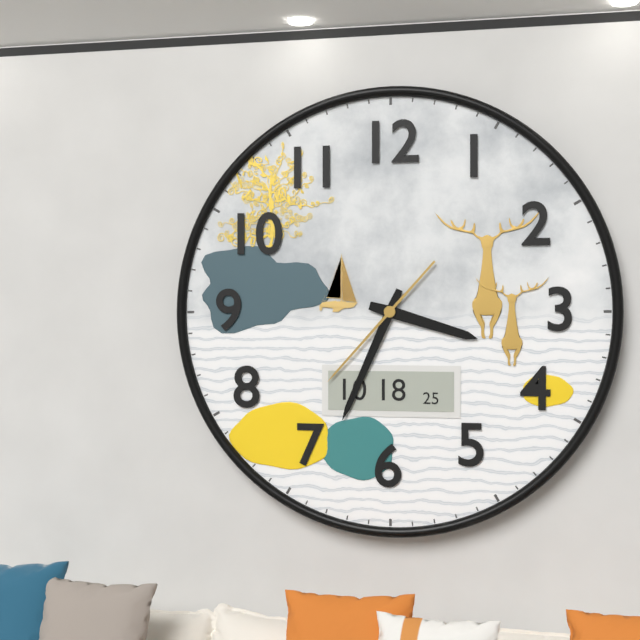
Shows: 3:34:37
